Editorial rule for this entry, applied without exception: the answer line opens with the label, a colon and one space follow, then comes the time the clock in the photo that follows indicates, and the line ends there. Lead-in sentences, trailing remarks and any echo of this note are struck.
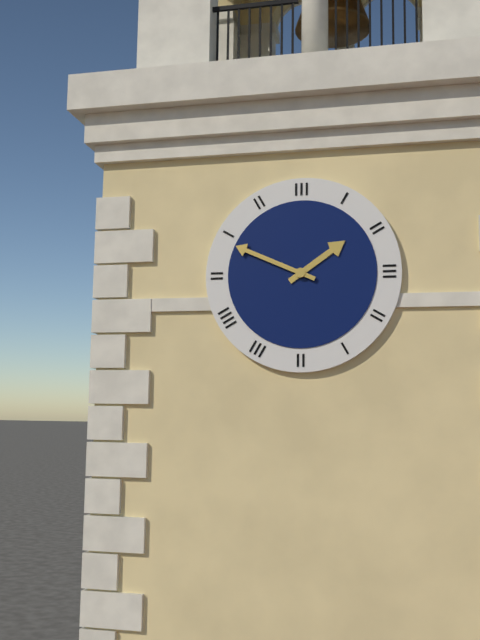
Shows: 1:49
